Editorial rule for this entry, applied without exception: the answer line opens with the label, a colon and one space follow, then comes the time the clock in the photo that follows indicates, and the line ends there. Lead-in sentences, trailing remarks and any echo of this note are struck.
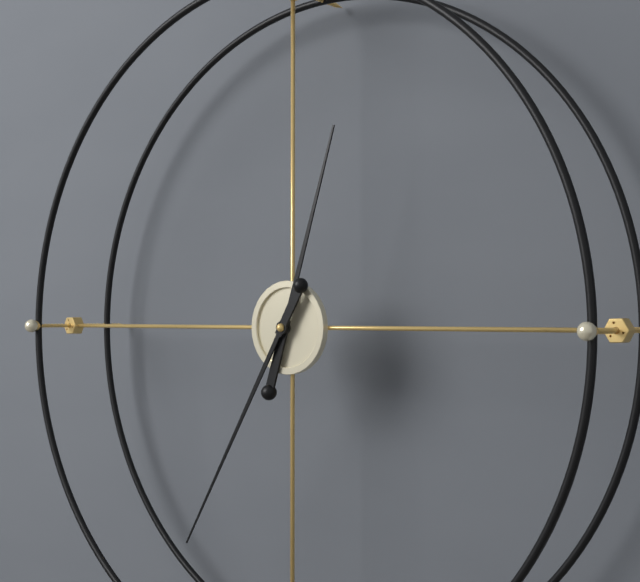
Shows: 12:35
